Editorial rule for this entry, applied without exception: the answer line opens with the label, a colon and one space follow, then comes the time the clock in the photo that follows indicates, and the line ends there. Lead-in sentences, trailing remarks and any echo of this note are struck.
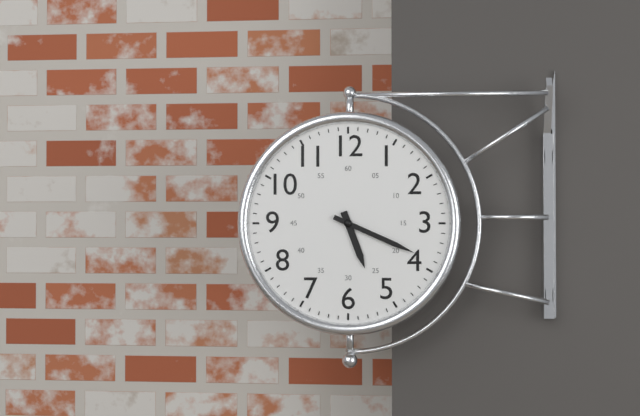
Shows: 5:19
